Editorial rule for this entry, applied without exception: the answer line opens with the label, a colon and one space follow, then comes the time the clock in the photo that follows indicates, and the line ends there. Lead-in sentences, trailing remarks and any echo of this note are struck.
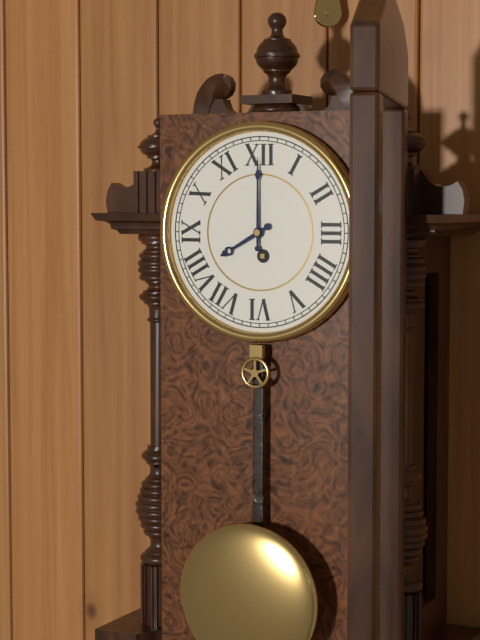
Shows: 8:00
